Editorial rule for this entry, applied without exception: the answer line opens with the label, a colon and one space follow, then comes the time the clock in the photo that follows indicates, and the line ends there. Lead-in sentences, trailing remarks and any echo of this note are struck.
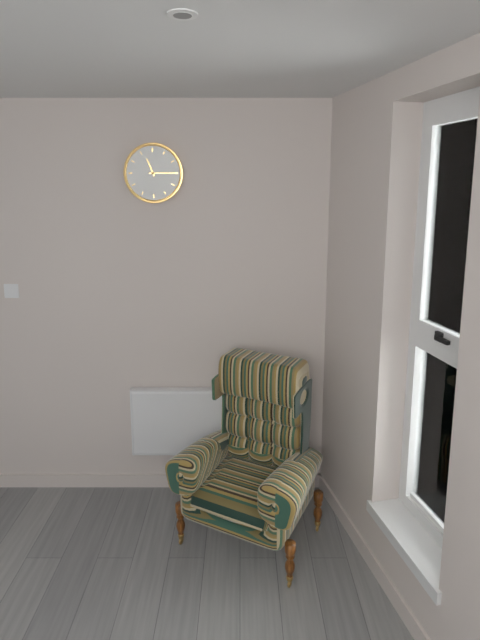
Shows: 11:15
